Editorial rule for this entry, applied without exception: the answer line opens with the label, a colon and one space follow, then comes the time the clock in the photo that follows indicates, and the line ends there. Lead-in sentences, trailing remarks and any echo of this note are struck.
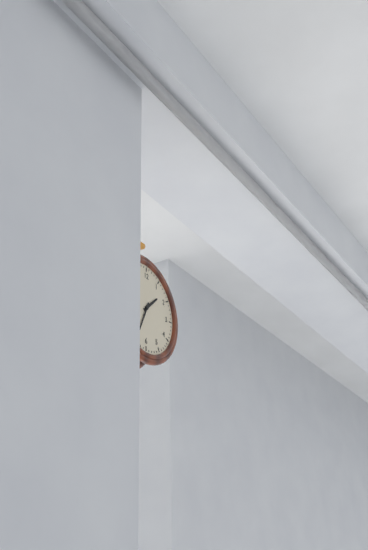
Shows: 1:34
